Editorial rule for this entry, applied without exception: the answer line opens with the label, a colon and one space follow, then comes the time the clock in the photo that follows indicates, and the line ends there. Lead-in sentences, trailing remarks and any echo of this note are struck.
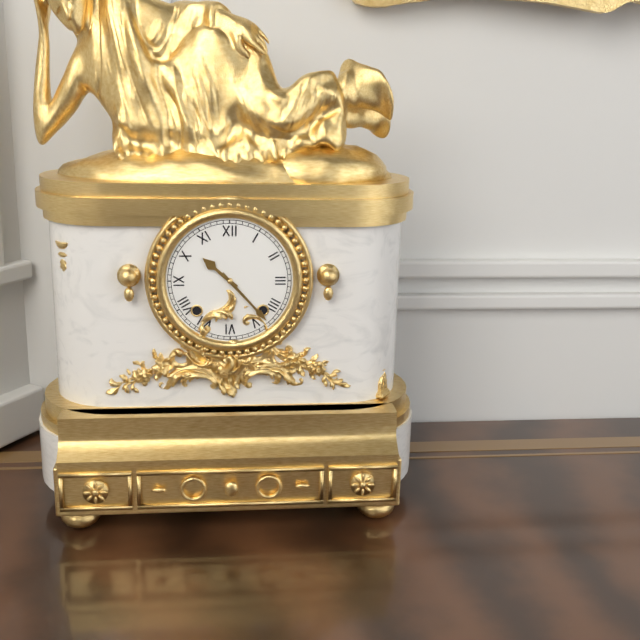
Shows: 10:23
